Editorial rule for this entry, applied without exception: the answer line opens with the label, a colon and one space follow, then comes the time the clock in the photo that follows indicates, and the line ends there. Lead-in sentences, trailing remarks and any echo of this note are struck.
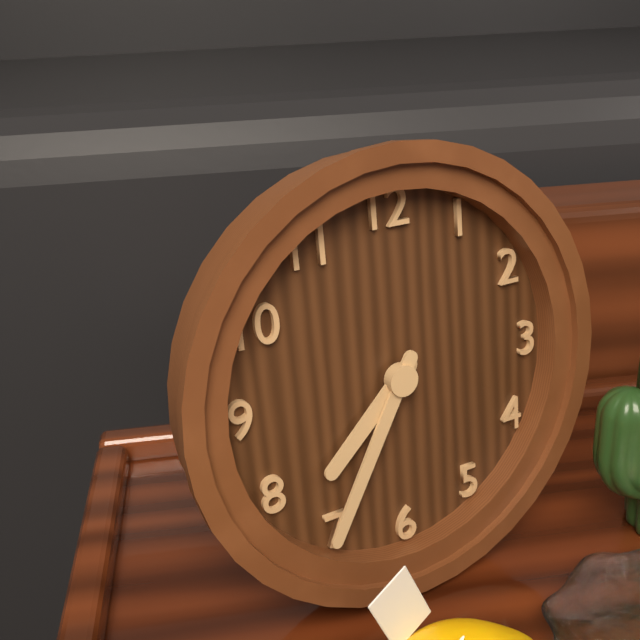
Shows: 7:35
